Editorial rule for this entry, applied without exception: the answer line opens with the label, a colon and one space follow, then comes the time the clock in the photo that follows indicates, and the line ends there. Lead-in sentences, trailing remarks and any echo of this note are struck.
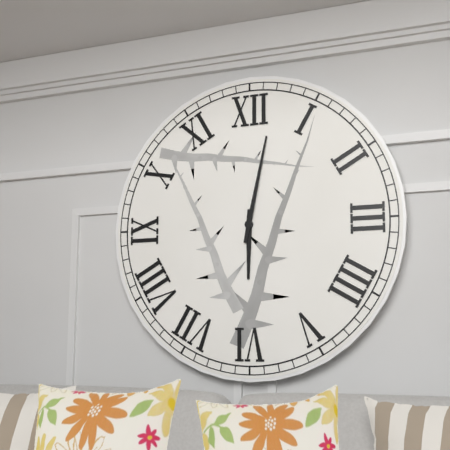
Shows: 6:02
